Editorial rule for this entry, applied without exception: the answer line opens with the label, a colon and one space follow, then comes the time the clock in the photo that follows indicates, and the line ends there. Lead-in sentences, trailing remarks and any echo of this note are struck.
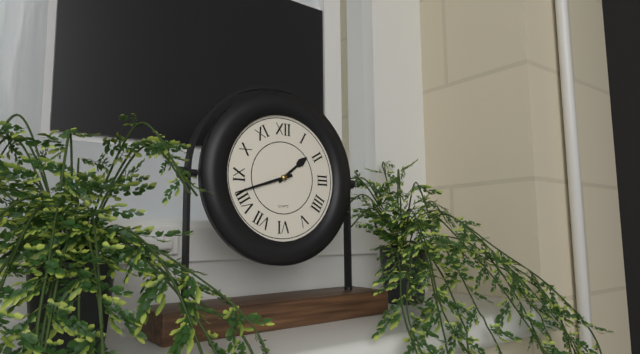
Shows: 1:42
